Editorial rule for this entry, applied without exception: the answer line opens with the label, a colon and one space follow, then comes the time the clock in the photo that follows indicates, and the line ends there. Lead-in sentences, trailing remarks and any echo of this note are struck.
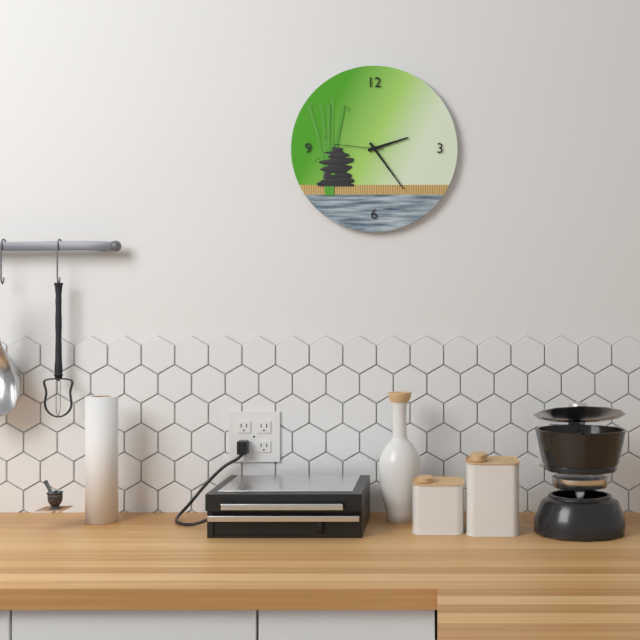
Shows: 2:24:46
